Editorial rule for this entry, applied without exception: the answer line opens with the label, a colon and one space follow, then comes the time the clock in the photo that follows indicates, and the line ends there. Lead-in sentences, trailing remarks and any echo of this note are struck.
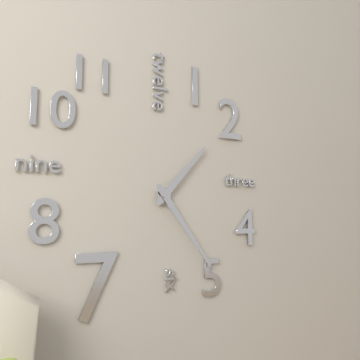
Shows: 1:24
